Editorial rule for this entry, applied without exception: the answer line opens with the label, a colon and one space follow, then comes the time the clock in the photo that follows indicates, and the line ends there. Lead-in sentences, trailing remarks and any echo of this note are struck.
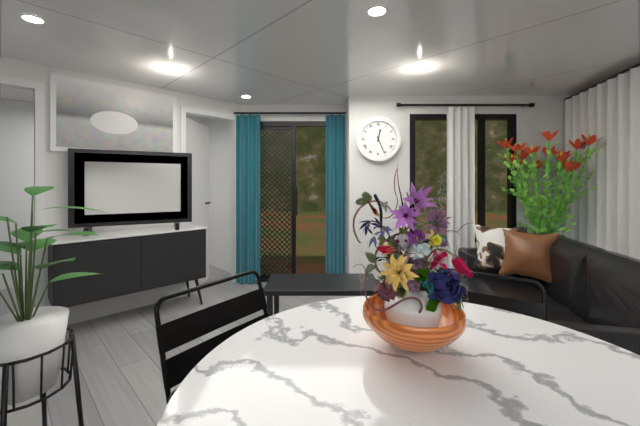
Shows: 12:26
